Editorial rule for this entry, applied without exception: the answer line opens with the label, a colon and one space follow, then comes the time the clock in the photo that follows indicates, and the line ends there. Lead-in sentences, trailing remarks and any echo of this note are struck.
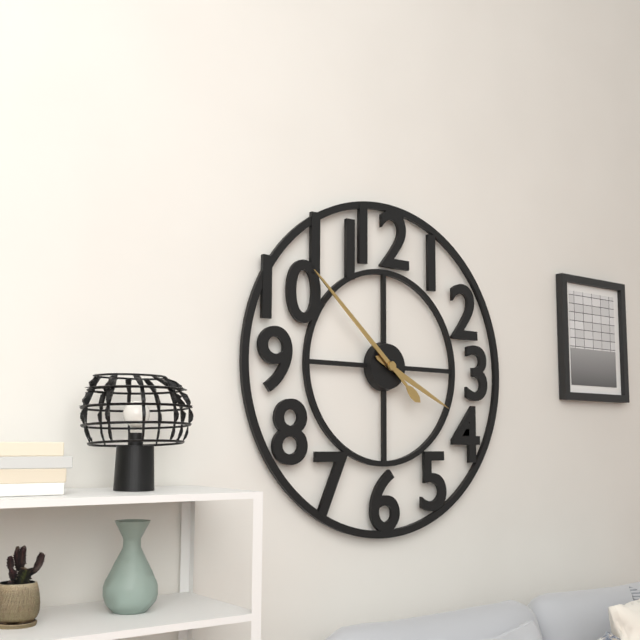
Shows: 3:52
